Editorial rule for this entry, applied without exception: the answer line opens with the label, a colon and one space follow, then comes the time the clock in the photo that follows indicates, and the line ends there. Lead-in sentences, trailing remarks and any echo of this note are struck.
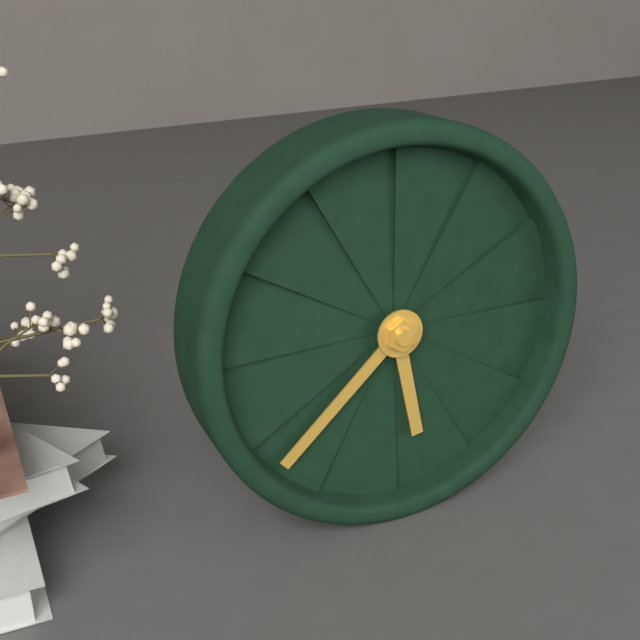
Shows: 5:38
